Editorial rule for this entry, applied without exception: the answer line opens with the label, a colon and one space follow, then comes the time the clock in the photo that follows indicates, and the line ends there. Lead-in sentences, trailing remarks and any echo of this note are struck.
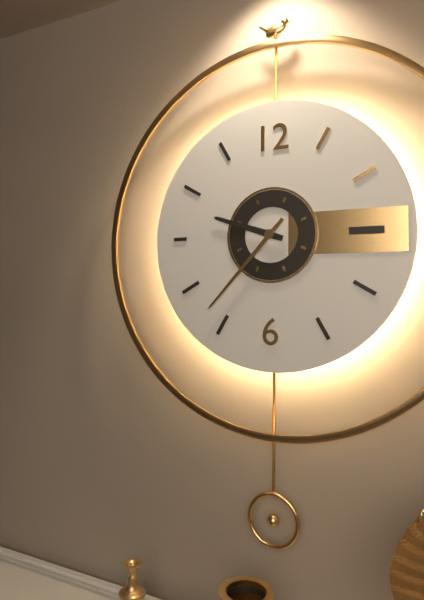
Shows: 9:37
